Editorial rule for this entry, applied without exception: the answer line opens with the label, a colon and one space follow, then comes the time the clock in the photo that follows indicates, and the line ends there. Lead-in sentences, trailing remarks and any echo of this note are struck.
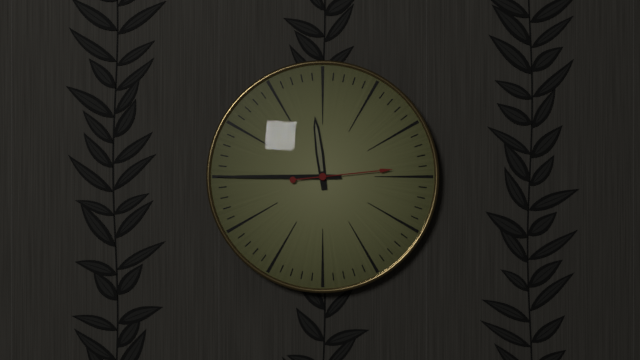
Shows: 11:45:14
